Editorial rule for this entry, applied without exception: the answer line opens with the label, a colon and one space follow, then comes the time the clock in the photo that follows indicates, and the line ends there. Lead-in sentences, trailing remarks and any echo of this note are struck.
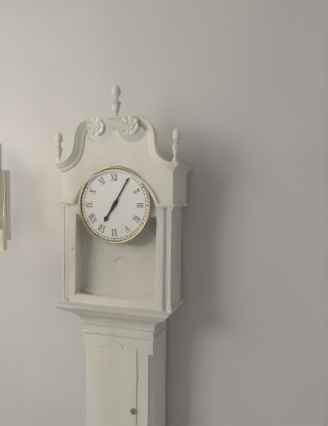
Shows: 7:05
